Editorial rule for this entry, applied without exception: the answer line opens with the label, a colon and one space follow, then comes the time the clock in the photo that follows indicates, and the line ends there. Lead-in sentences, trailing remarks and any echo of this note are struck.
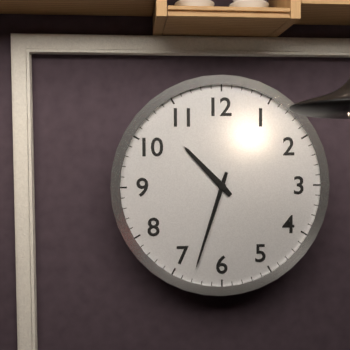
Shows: 10:33
